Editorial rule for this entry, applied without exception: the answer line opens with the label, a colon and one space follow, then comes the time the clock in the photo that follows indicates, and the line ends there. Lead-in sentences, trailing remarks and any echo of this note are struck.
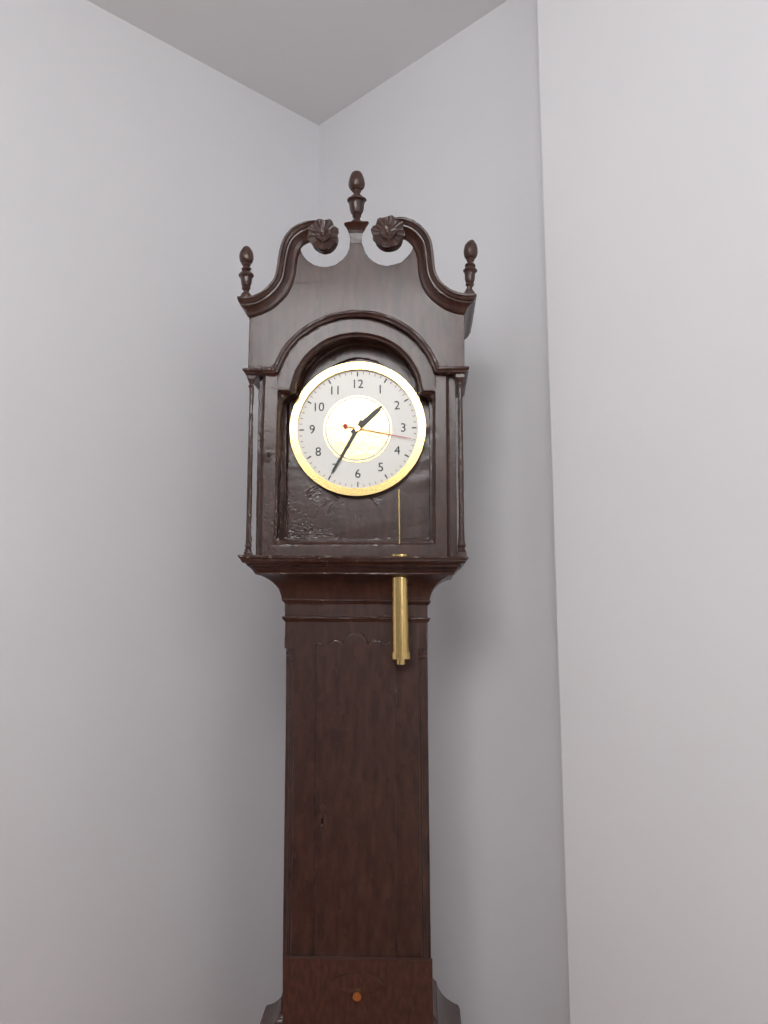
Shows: 1:35:17
